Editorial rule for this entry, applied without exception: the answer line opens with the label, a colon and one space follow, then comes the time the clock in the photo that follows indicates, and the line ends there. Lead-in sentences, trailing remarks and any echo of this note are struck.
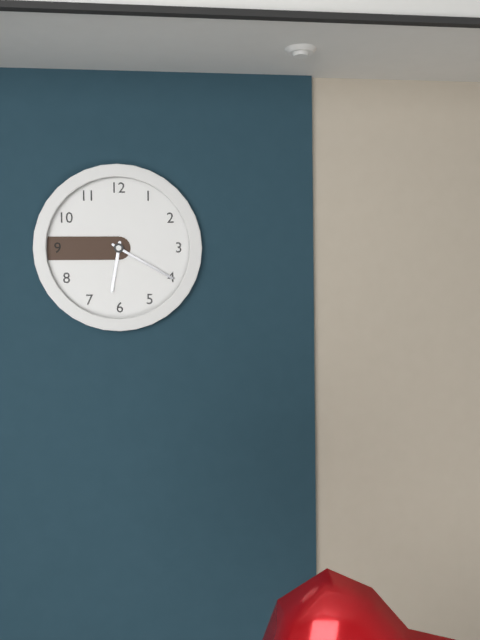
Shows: 6:20
